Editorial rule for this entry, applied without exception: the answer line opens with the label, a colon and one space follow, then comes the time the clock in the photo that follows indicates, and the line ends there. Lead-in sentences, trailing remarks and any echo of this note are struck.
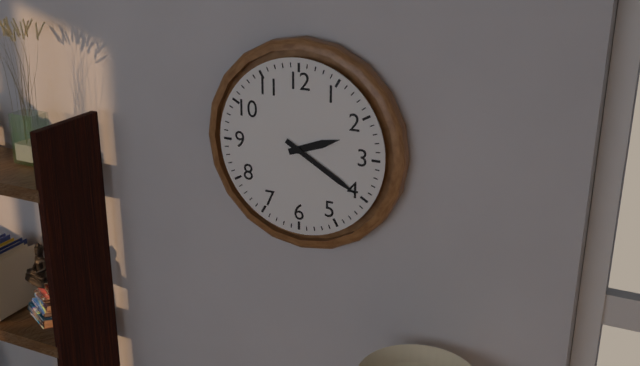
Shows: 2:20
